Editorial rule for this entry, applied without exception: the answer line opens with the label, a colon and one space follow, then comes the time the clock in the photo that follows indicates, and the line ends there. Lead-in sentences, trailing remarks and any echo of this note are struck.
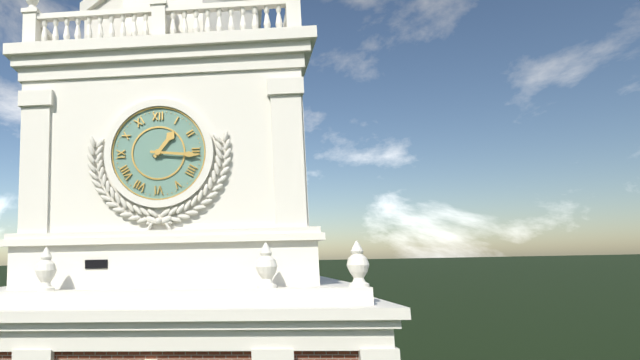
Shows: 1:16
